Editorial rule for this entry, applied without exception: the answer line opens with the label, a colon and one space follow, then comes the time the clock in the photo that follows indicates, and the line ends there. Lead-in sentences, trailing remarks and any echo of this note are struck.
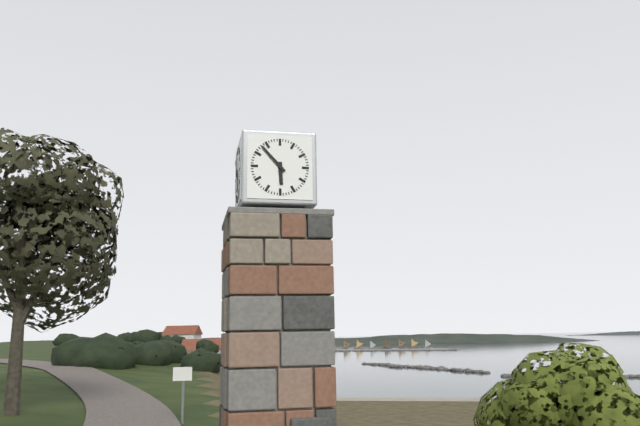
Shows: 5:53
